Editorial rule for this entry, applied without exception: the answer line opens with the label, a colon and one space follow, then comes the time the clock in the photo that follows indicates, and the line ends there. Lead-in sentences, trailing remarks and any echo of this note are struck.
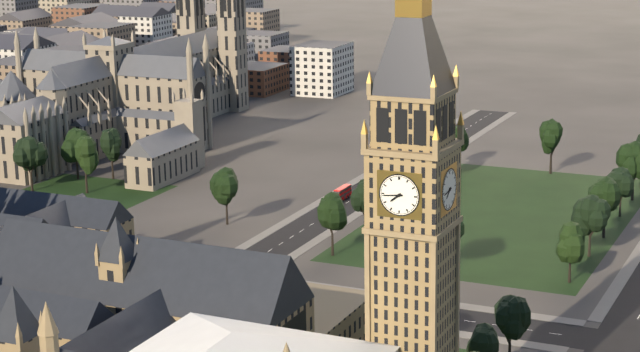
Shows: 7:44
